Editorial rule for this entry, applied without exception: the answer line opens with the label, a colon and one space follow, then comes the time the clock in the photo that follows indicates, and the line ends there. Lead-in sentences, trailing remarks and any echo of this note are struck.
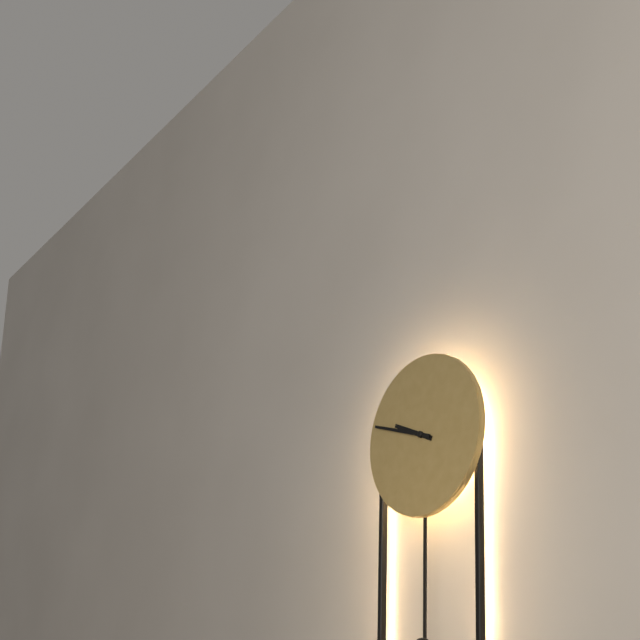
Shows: 9:48
